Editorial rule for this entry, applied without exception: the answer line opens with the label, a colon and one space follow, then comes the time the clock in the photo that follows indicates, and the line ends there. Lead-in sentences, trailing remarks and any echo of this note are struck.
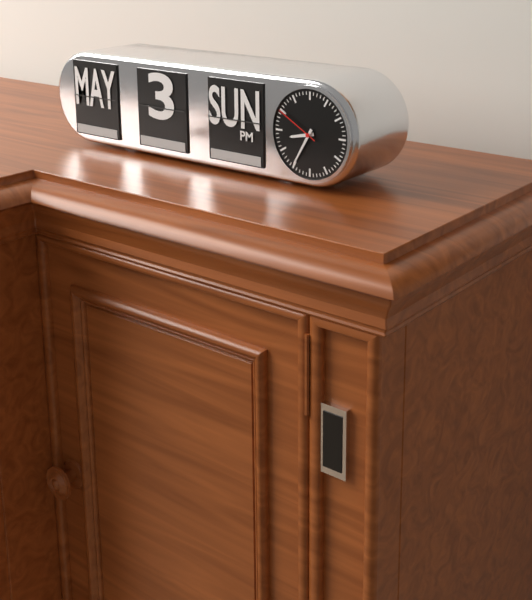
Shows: 8:35
